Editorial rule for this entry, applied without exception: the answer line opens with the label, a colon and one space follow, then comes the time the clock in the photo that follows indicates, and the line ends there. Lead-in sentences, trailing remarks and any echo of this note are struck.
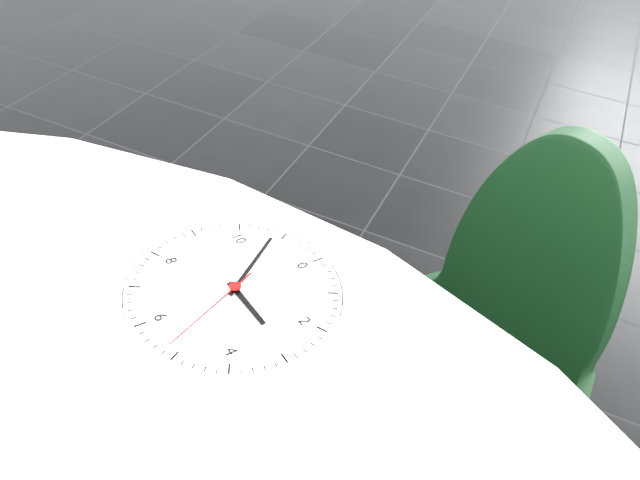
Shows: 2:54:26
